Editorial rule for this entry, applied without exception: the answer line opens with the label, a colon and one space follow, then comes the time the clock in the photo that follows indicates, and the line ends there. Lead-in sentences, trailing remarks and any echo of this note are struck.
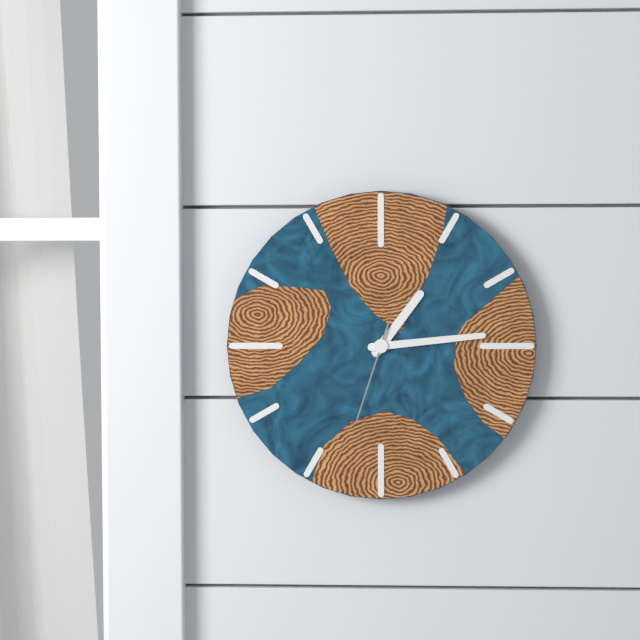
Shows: 1:14:33
